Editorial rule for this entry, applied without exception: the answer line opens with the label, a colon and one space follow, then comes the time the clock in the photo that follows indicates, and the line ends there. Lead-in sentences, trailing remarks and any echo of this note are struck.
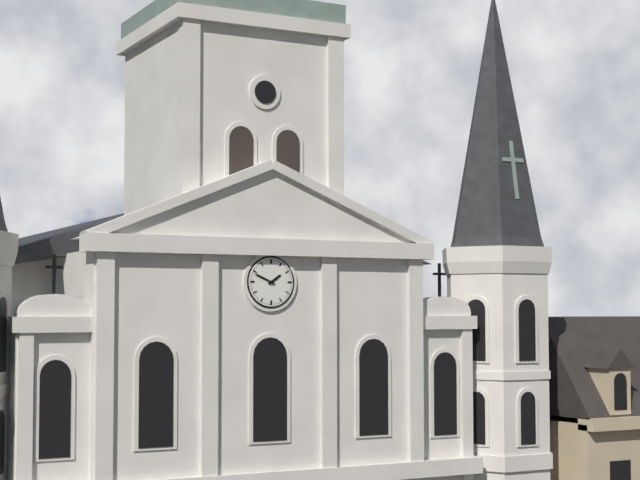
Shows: 1:49
